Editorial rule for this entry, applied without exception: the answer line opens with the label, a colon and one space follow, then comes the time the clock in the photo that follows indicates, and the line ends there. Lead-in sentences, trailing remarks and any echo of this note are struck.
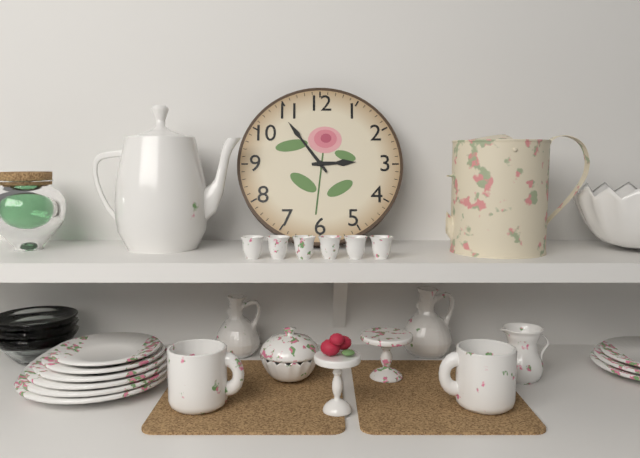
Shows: 2:54
